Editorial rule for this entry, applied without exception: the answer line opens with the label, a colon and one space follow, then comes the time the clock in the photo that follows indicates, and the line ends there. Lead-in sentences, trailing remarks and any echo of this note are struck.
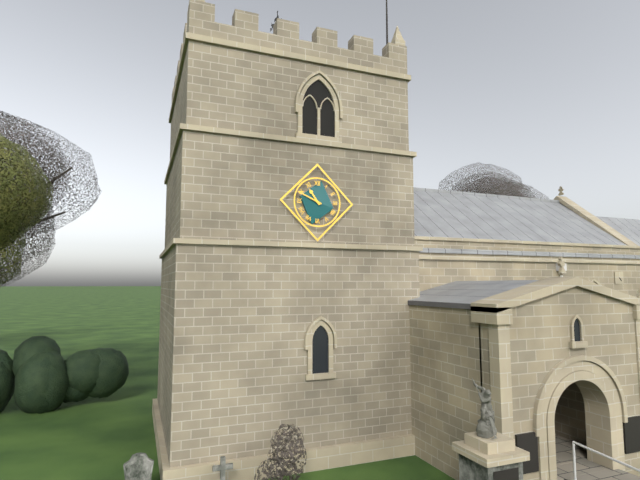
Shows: 10:49
